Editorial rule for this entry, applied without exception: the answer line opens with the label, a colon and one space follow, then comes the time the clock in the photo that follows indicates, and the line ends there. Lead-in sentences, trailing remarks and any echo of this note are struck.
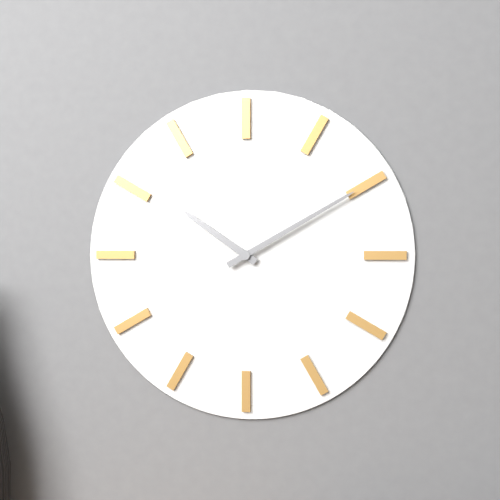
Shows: 10:10
